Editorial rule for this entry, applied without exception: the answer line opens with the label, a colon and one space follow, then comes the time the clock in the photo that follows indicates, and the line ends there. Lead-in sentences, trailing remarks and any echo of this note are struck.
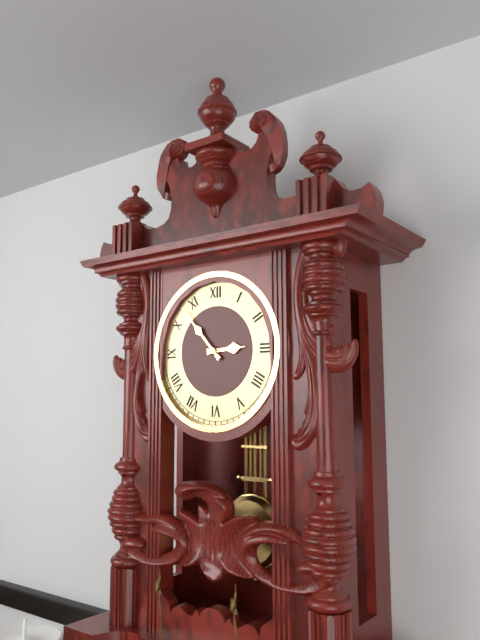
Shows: 2:53
